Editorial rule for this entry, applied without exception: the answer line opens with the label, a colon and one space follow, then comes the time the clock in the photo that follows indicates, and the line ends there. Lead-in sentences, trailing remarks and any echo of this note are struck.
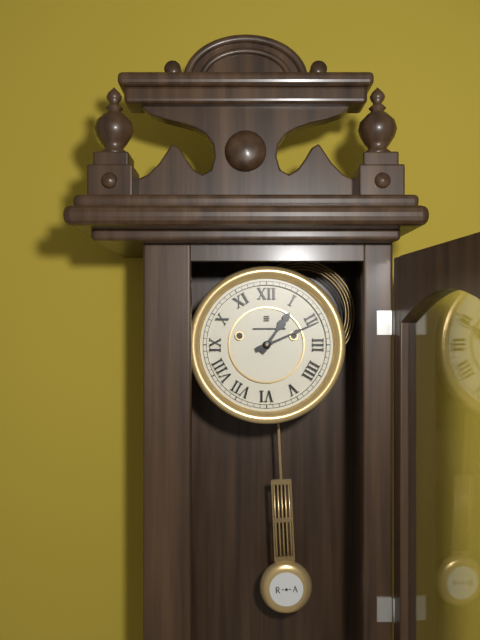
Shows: 1:11
